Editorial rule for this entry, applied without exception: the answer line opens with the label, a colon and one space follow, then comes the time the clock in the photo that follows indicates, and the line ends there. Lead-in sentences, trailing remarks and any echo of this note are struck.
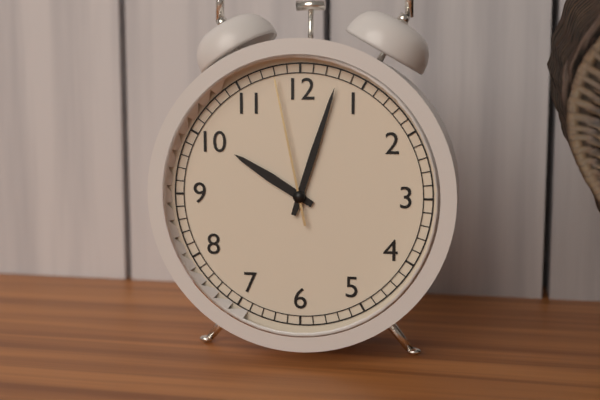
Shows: 10:03:58
